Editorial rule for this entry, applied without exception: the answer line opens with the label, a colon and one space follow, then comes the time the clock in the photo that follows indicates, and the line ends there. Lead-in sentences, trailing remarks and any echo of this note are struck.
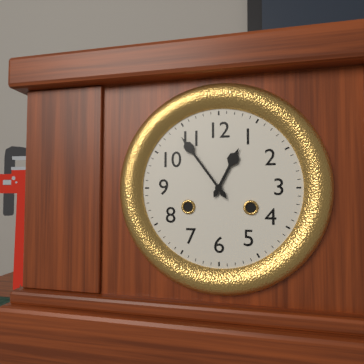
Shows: 12:54
